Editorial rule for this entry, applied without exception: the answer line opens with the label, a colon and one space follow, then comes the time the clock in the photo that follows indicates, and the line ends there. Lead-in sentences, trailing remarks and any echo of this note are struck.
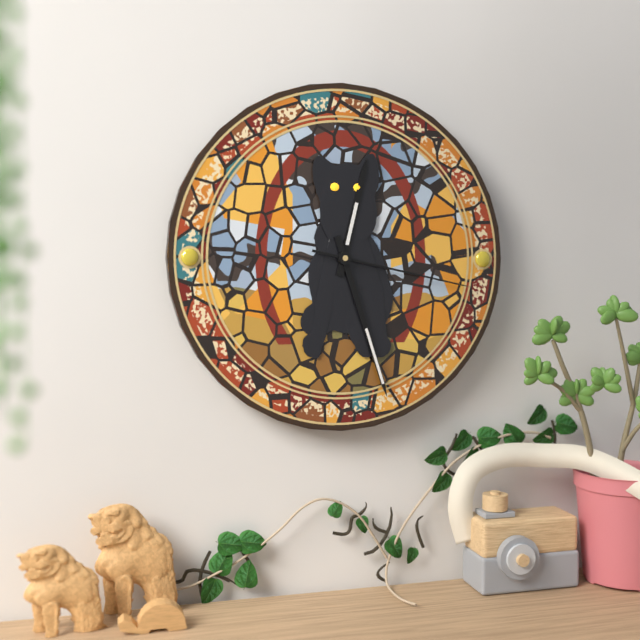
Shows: 12:27:17
